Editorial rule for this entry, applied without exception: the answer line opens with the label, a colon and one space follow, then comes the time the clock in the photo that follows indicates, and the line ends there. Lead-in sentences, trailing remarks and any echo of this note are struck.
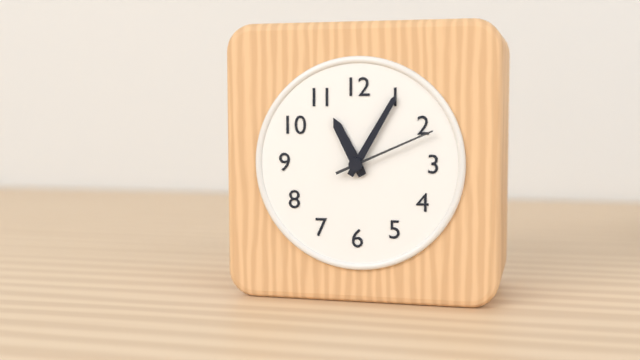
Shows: 11:05:11
